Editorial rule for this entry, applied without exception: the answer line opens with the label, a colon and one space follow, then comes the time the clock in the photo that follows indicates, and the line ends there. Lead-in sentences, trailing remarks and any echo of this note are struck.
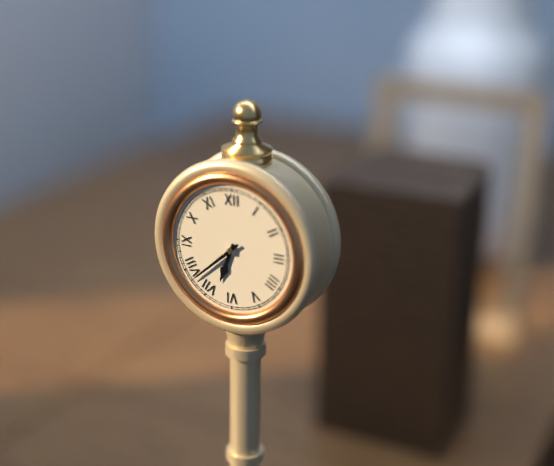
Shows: 6:38
